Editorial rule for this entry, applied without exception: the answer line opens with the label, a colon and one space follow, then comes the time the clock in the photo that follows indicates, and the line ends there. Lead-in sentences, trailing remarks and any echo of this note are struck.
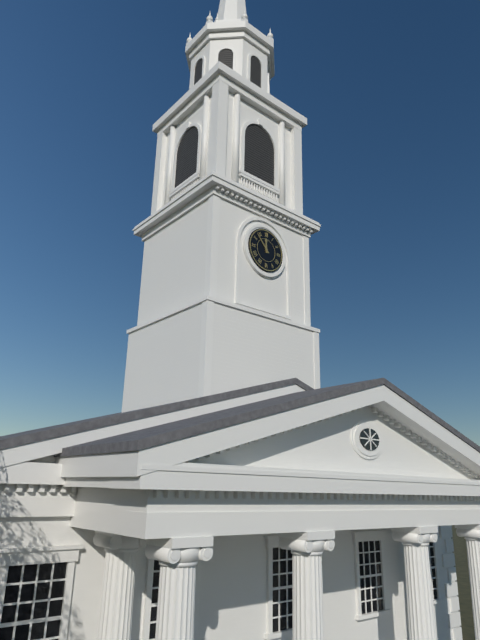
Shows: 11:53
